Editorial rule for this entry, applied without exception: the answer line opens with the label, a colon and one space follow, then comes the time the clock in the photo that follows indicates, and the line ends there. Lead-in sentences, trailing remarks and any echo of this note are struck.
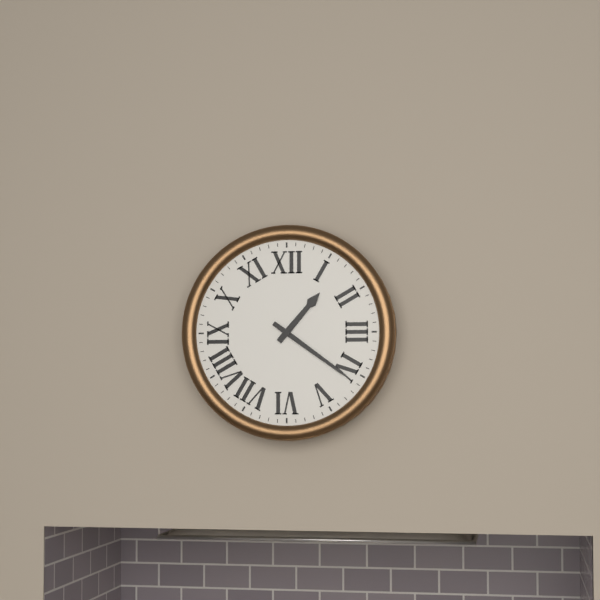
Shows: 1:21
